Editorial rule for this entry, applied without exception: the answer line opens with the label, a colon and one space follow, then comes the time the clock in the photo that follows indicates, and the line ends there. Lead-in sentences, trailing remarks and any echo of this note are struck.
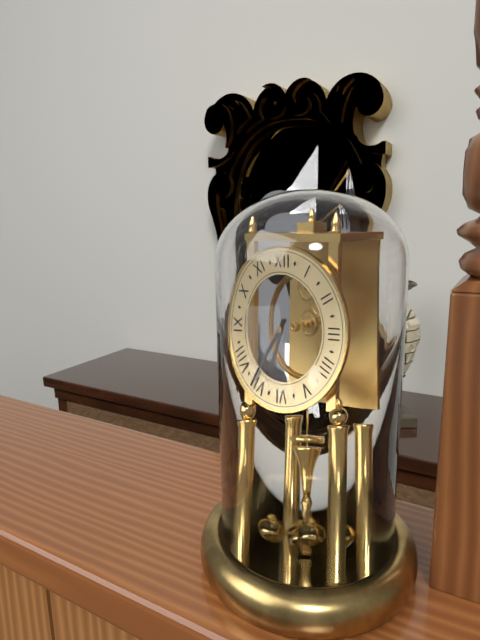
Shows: 6:36
